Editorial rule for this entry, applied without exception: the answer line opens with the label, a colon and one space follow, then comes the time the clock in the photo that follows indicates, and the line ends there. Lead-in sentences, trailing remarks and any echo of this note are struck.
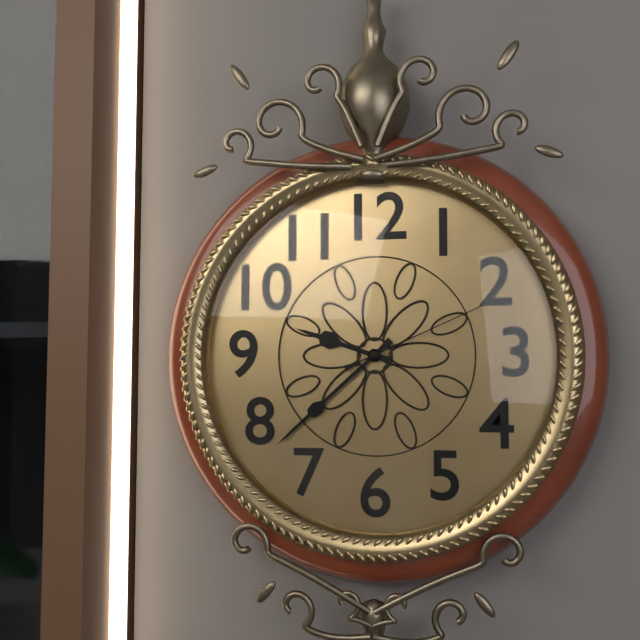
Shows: 9:38:11
